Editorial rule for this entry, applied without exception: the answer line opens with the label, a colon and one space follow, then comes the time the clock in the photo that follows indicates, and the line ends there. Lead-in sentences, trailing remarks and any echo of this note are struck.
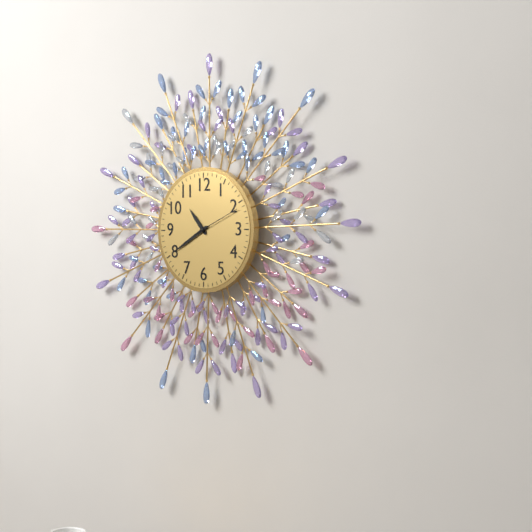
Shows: 10:40
